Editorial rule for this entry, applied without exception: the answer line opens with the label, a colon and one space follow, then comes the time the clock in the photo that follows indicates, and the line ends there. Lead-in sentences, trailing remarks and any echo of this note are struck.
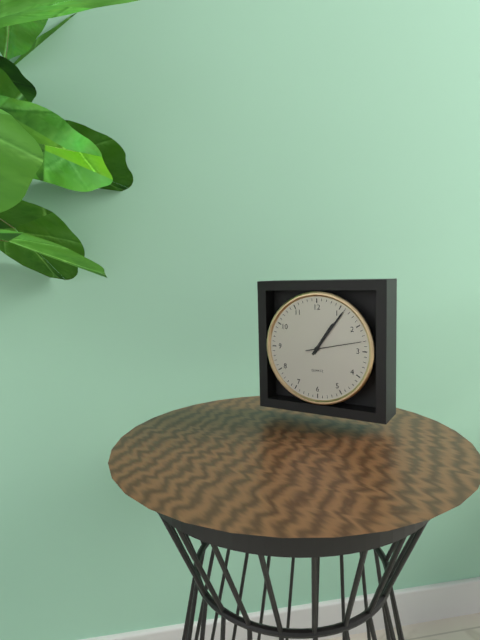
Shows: 1:06:13
